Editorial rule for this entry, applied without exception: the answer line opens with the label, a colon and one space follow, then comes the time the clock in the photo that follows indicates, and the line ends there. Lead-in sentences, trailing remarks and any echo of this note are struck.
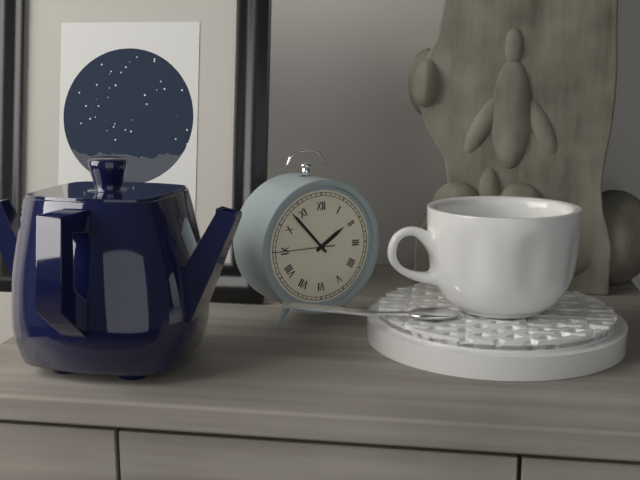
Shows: 1:53:45
